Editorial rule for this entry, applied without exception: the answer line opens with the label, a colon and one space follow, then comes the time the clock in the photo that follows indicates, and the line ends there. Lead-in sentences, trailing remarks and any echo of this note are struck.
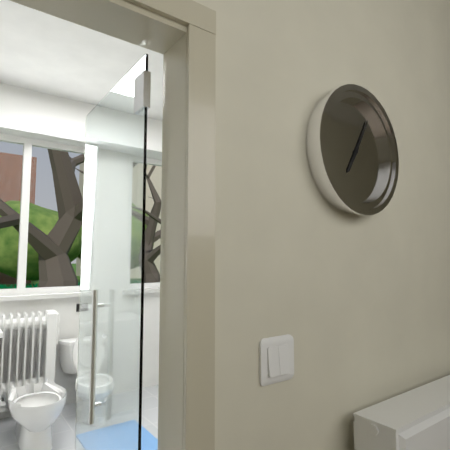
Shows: 7:05
